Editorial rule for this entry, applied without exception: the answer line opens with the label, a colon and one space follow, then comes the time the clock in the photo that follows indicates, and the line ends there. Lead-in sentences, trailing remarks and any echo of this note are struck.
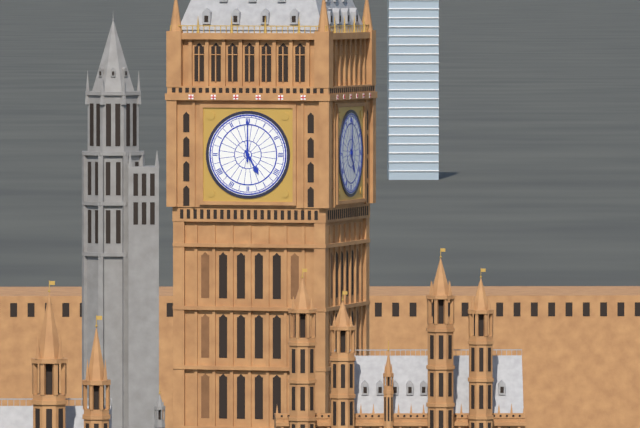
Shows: 5:00
